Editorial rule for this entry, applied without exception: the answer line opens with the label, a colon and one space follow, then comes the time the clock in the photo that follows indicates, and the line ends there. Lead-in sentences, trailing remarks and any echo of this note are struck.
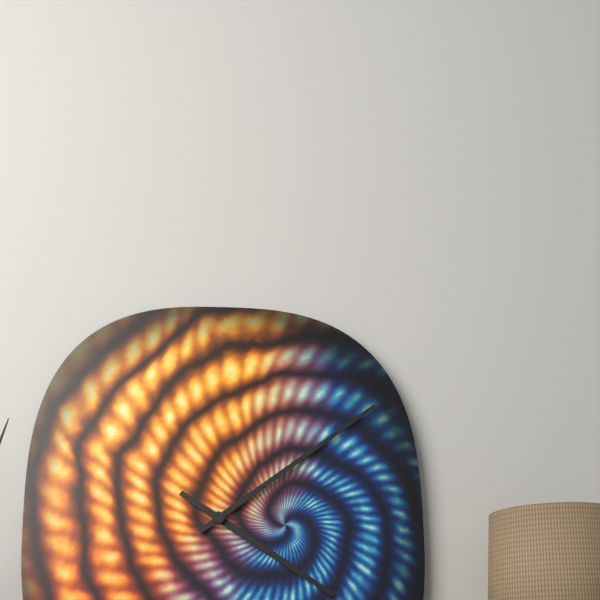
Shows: 4:09
